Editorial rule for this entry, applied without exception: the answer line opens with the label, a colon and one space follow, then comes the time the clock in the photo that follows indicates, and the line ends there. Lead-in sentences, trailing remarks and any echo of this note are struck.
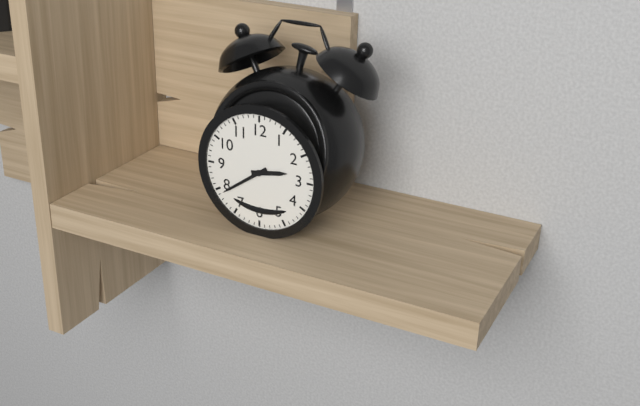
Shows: 2:39
